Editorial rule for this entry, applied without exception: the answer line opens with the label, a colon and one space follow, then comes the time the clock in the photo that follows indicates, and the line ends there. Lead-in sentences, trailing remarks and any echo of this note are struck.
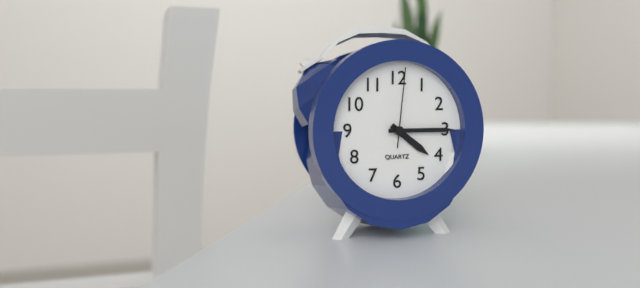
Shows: 4:15:01
